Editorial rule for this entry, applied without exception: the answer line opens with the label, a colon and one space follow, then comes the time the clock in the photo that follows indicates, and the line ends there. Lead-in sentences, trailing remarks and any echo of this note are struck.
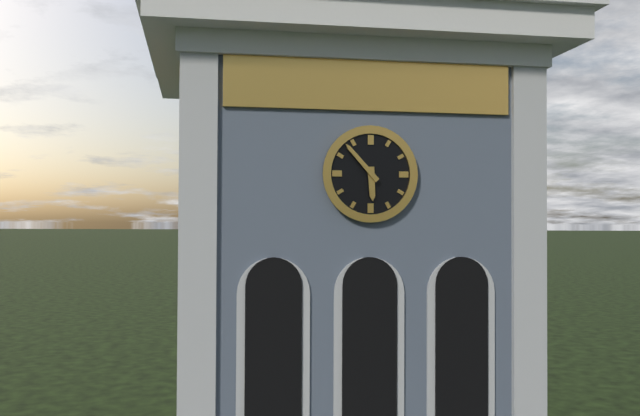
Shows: 5:53
